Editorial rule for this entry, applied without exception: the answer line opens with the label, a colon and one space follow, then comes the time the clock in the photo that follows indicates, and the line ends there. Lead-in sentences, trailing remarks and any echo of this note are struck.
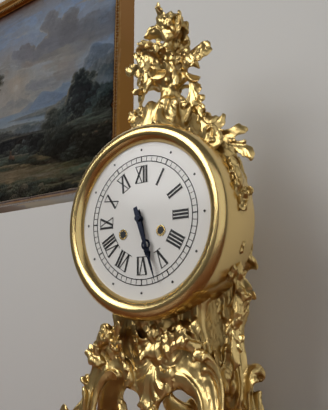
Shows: 5:27
